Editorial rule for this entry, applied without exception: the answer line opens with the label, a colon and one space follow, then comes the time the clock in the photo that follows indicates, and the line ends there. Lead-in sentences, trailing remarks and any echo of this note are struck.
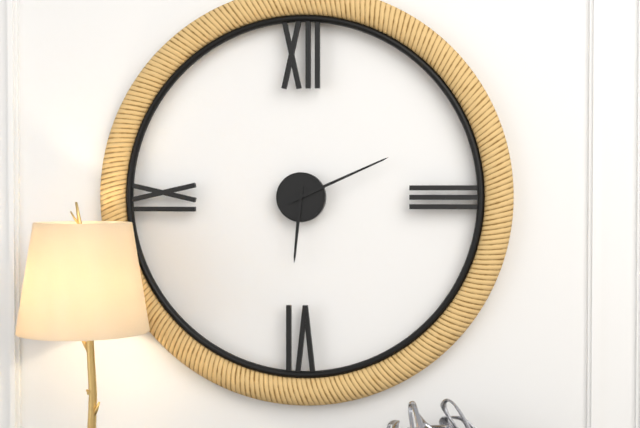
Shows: 6:11
